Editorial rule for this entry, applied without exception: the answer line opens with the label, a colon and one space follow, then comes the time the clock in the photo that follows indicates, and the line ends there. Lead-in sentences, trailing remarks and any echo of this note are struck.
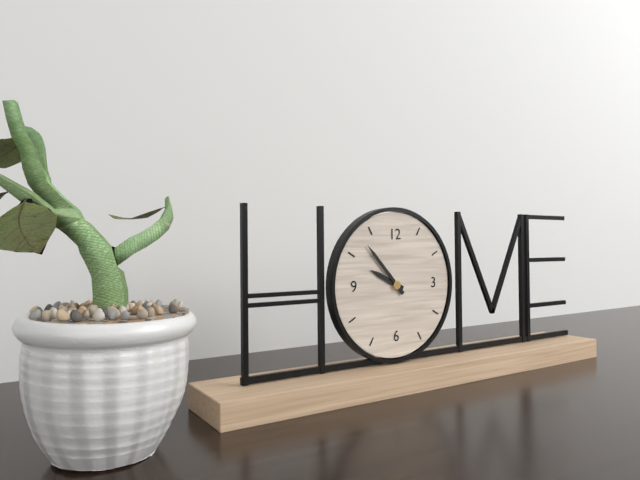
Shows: 9:53
